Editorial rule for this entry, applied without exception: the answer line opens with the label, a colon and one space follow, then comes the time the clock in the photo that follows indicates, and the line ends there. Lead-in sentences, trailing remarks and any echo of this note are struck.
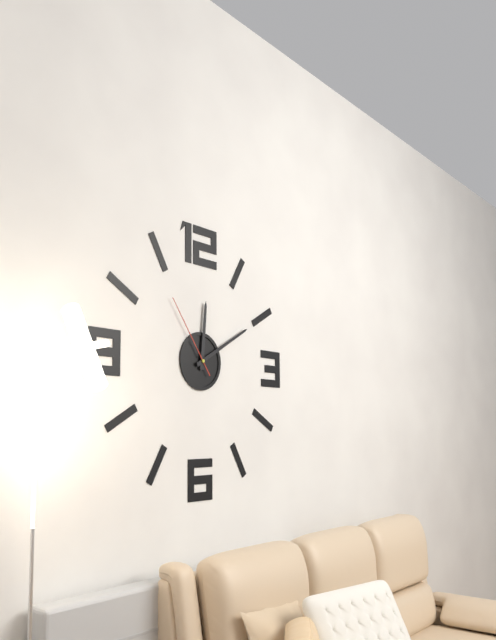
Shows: 12:10:54
